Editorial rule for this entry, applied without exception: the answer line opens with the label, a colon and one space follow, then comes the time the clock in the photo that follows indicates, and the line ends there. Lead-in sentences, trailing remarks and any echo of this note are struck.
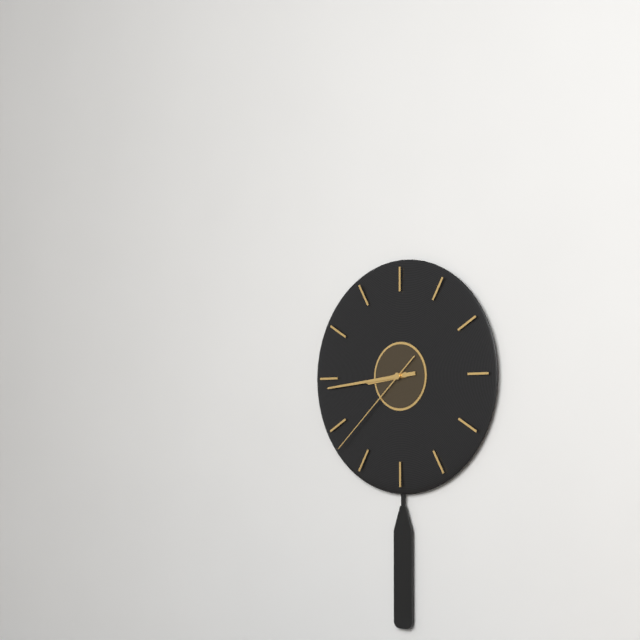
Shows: 8:44:38
